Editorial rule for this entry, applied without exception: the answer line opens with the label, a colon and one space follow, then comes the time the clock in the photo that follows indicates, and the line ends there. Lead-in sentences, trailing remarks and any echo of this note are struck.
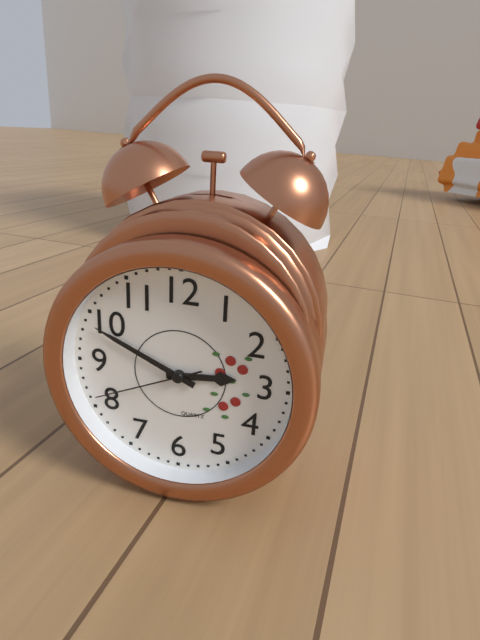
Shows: 2:49:41
